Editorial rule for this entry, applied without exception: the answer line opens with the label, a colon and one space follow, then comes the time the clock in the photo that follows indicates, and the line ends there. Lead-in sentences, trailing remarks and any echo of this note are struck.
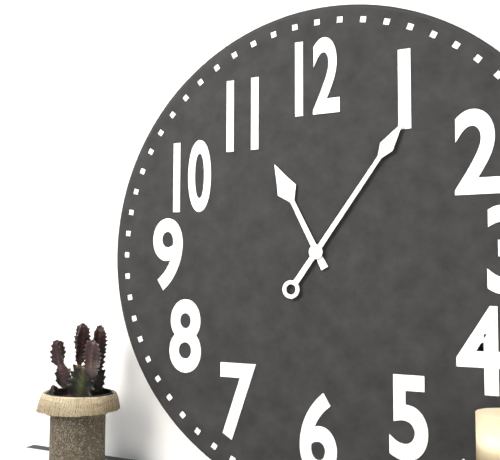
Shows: 11:06
